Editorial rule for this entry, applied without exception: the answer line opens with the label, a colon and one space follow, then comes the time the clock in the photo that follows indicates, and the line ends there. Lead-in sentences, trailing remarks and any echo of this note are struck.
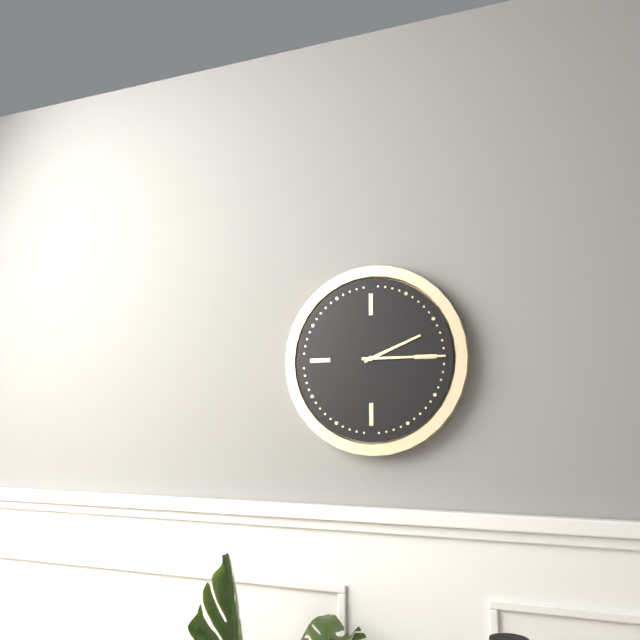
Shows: 2:15
